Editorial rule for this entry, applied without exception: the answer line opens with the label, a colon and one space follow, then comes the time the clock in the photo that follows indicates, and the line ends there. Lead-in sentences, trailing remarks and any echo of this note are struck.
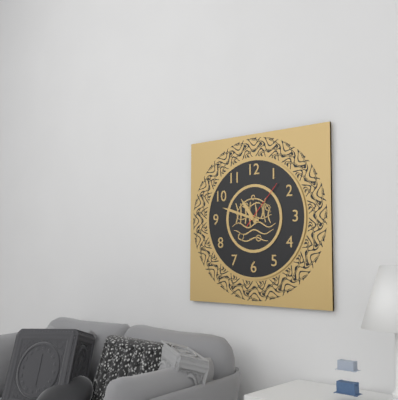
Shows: 10:48:07
